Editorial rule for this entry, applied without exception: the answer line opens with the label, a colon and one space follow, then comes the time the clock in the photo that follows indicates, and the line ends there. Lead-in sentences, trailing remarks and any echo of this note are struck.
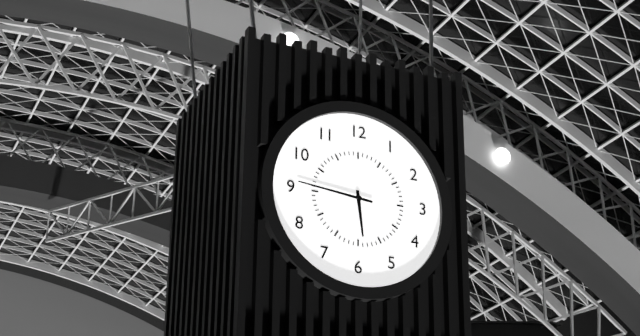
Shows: 5:46
